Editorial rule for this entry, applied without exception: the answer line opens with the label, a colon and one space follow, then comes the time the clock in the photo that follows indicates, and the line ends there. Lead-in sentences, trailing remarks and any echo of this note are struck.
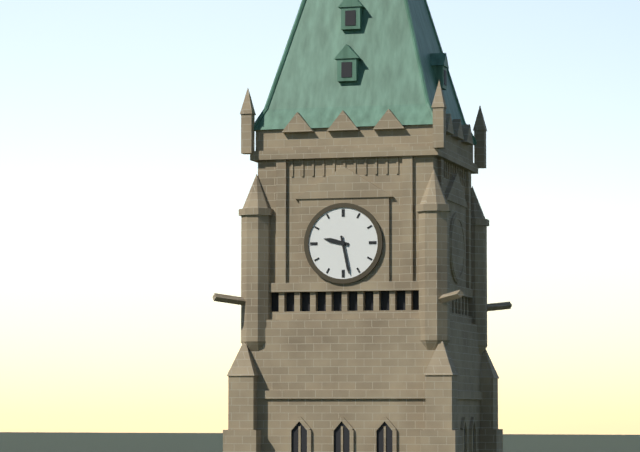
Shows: 9:28
